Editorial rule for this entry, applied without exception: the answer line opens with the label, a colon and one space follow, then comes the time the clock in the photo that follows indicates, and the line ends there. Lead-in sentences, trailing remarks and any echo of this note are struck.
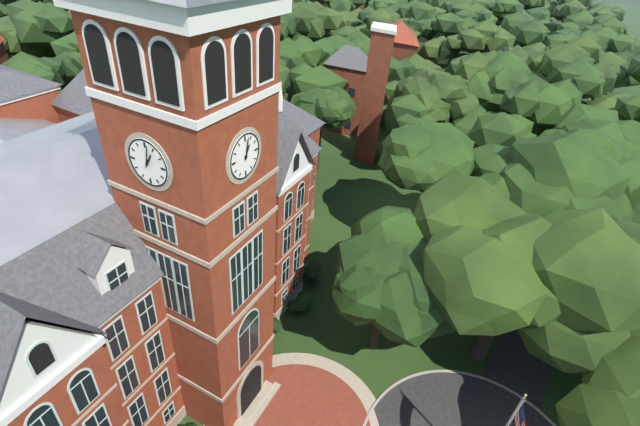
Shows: 1:02
